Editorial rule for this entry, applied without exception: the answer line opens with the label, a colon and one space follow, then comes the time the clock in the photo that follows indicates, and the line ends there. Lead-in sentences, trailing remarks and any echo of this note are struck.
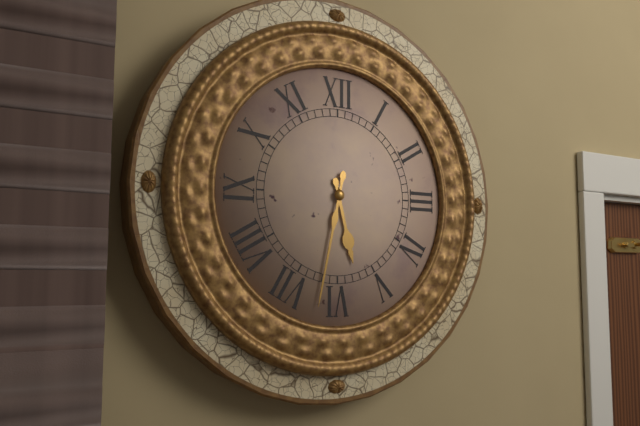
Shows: 5:32
